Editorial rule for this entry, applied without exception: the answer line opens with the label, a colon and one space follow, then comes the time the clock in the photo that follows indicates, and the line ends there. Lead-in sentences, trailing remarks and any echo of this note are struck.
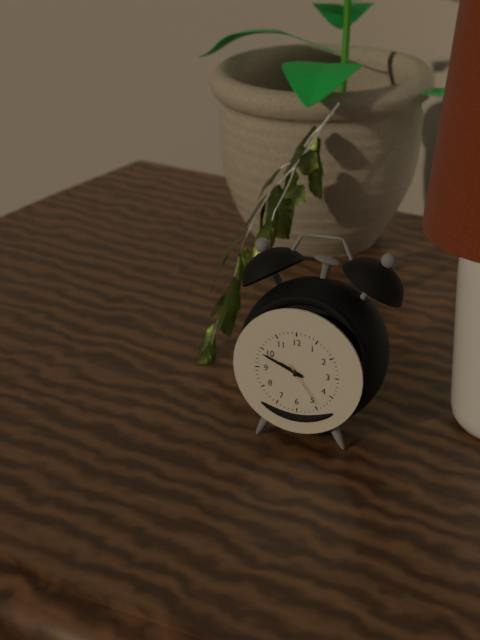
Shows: 9:49
